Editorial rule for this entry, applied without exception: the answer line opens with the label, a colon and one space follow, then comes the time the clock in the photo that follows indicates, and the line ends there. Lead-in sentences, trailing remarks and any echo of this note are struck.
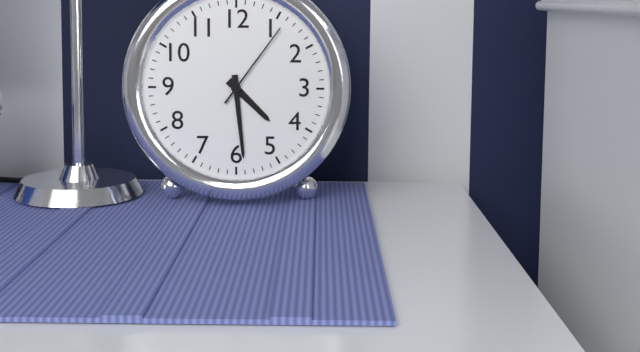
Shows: 4:29:06
